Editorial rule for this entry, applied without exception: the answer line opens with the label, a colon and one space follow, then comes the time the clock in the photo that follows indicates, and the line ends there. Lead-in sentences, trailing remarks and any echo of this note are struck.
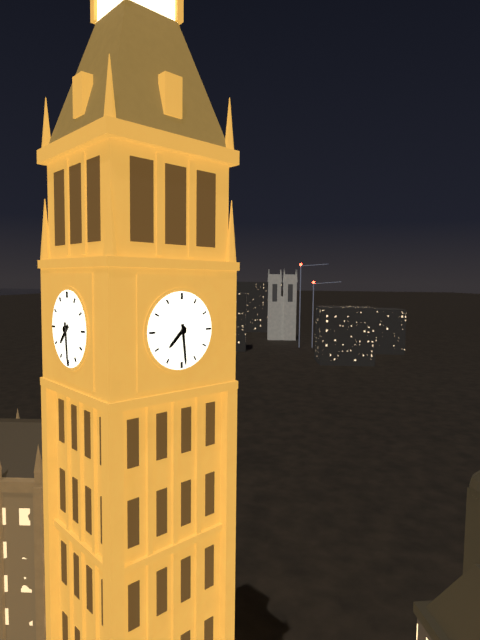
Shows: 7:29
